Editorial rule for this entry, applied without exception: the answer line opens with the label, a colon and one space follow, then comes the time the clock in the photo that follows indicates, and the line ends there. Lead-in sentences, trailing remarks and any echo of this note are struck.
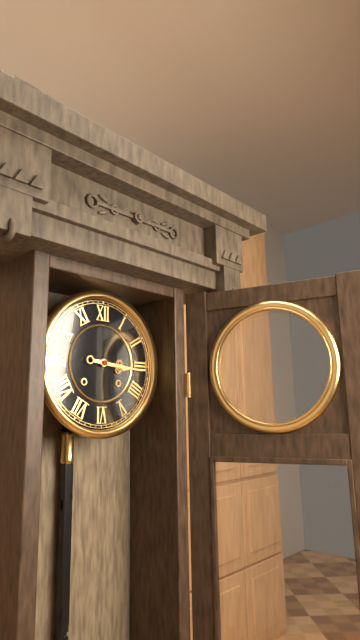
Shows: 3:16
